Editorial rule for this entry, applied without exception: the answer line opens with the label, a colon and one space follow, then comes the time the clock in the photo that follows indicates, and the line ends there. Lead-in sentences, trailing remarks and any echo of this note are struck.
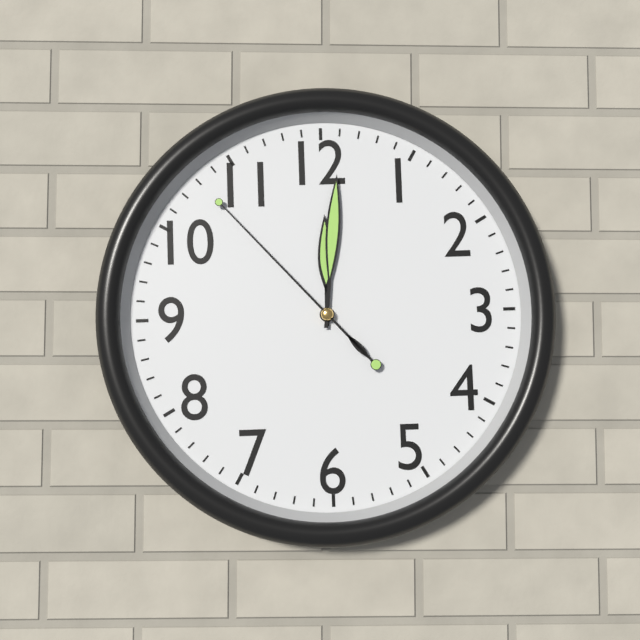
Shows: 12:01:53
